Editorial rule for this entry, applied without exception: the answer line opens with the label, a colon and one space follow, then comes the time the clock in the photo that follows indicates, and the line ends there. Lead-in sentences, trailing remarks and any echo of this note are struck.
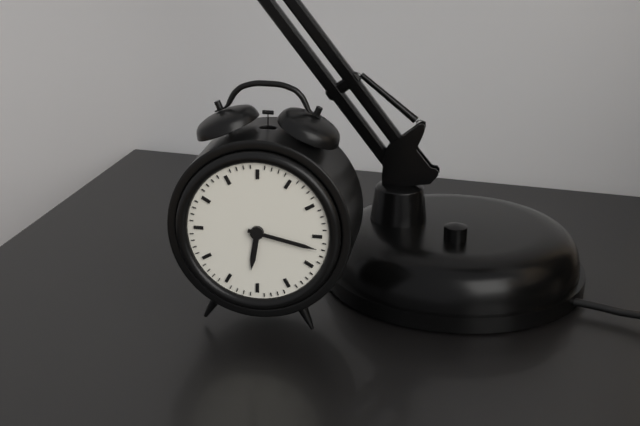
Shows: 6:17
